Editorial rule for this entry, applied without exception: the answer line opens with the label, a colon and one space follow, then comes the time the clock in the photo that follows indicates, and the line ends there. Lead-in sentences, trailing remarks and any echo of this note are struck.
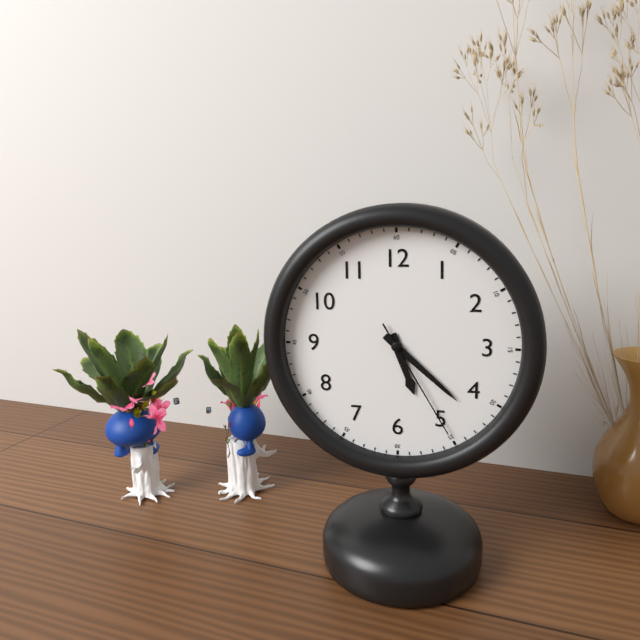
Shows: 5:22:25
